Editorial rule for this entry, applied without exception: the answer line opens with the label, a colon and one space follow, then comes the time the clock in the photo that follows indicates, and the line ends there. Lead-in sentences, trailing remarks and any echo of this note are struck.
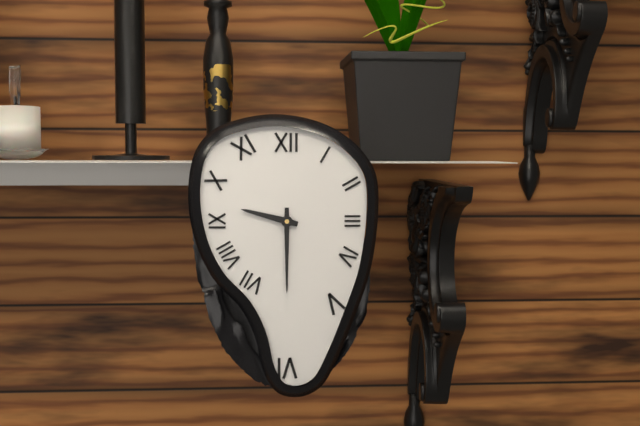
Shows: 9:30
